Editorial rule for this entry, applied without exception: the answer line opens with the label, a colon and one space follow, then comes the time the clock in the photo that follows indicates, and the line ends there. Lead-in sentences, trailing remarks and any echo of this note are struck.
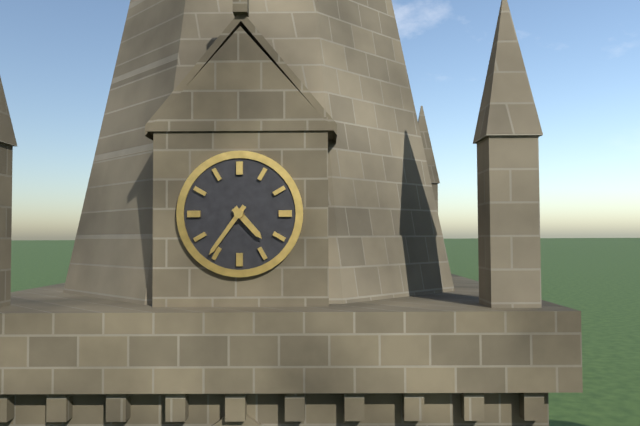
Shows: 4:36
